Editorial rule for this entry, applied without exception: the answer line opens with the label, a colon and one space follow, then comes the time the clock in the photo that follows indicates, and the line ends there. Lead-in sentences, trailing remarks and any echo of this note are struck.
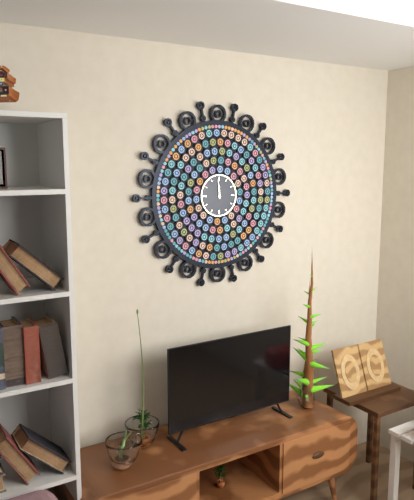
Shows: 11:59
